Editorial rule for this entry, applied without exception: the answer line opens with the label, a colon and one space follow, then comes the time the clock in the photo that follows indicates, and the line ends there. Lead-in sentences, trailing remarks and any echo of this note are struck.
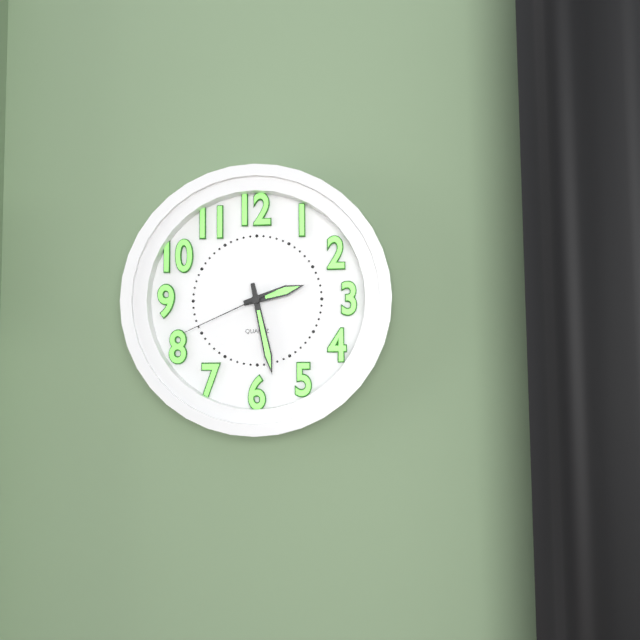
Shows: 2:28:41
